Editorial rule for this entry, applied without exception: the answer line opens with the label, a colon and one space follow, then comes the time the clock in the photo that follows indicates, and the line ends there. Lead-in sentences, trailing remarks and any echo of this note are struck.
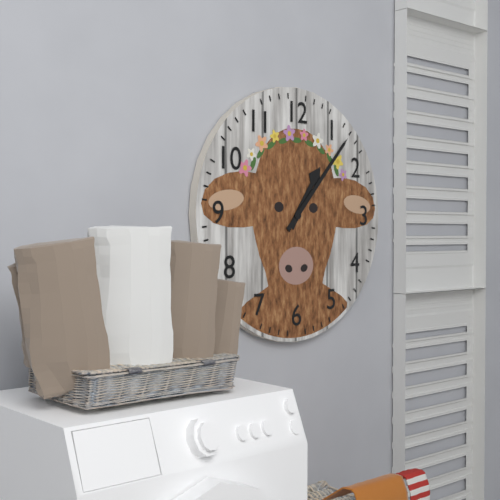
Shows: 1:07
